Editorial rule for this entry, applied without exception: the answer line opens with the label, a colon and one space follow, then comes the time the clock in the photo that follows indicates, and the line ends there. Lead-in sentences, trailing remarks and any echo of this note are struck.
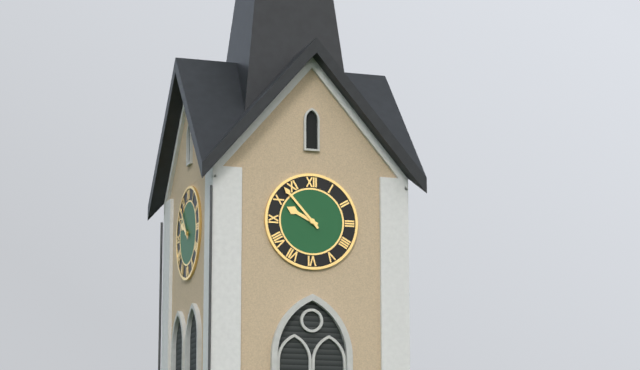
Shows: 9:53
